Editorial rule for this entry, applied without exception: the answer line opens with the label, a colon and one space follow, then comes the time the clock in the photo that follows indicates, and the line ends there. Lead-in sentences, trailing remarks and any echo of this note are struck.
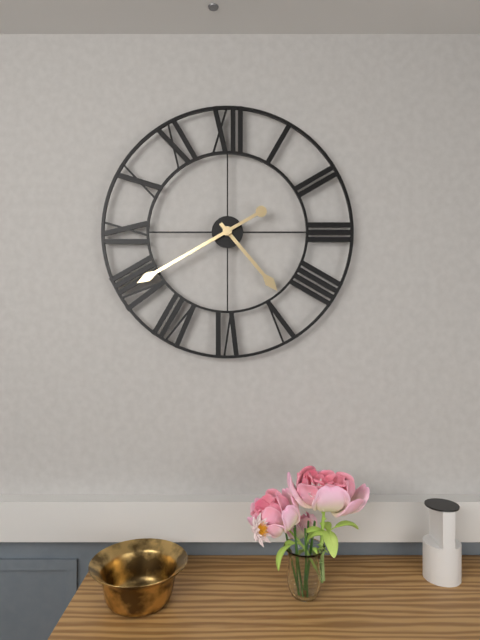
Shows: 4:40
